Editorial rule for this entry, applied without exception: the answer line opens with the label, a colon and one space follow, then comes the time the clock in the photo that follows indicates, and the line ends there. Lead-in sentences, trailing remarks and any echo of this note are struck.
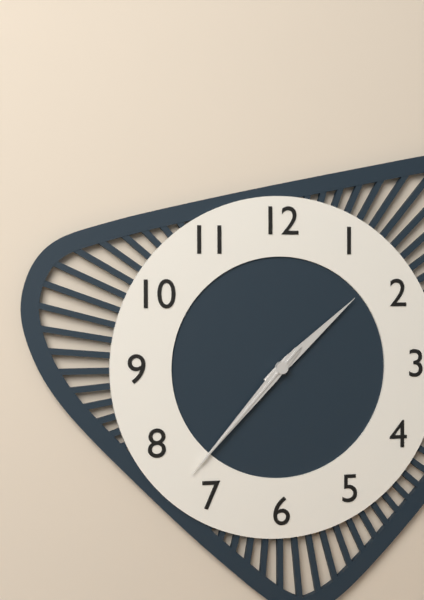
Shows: 1:37:37
